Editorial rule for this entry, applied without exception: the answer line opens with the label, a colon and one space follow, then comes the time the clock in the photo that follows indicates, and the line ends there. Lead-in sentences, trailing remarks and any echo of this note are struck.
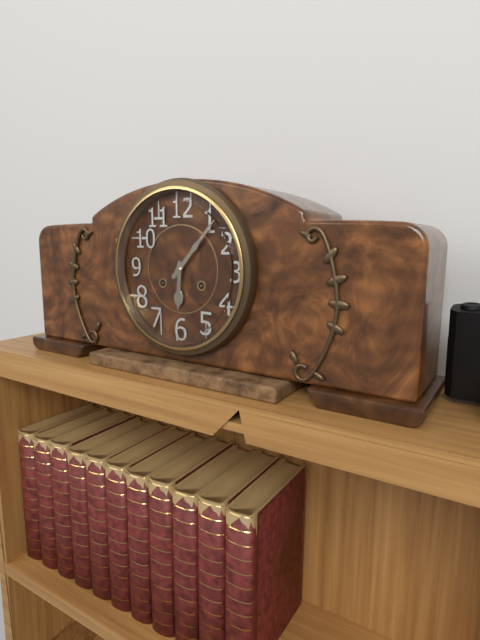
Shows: 6:07
